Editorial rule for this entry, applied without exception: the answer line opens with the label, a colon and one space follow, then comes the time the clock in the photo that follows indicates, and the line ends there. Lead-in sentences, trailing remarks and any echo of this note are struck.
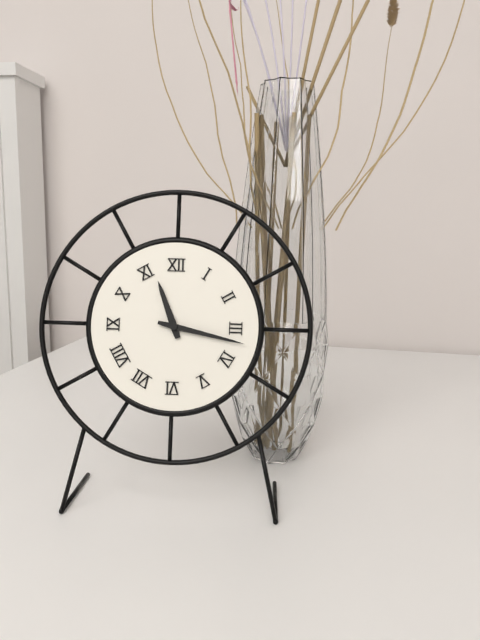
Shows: 11:17
